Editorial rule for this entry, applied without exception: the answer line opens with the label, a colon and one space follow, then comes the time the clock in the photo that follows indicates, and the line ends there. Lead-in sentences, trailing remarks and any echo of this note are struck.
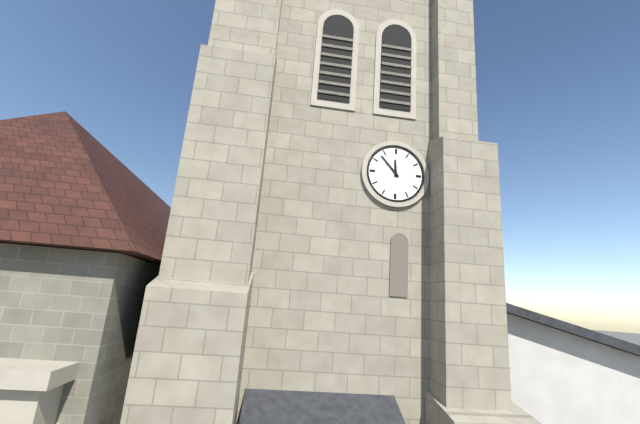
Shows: 11:53
